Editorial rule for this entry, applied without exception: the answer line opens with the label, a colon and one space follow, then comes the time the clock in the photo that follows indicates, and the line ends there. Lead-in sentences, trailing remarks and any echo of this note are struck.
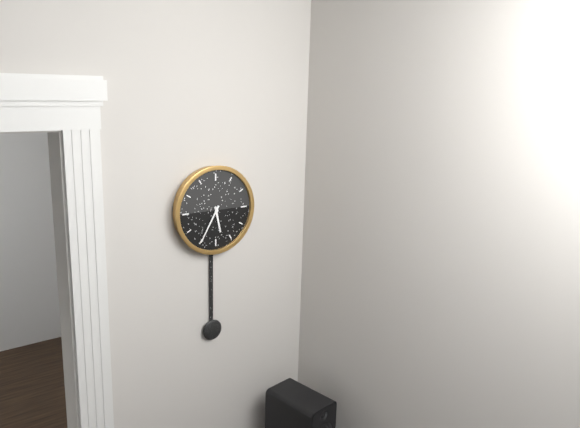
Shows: 5:35
